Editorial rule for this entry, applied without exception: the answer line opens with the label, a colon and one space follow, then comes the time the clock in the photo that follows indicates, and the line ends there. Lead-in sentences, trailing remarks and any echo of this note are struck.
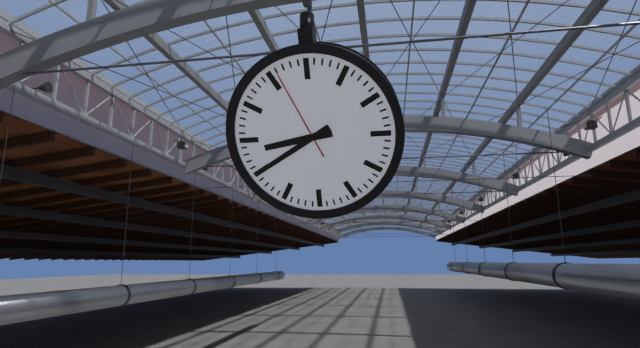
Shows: 8:40:56
